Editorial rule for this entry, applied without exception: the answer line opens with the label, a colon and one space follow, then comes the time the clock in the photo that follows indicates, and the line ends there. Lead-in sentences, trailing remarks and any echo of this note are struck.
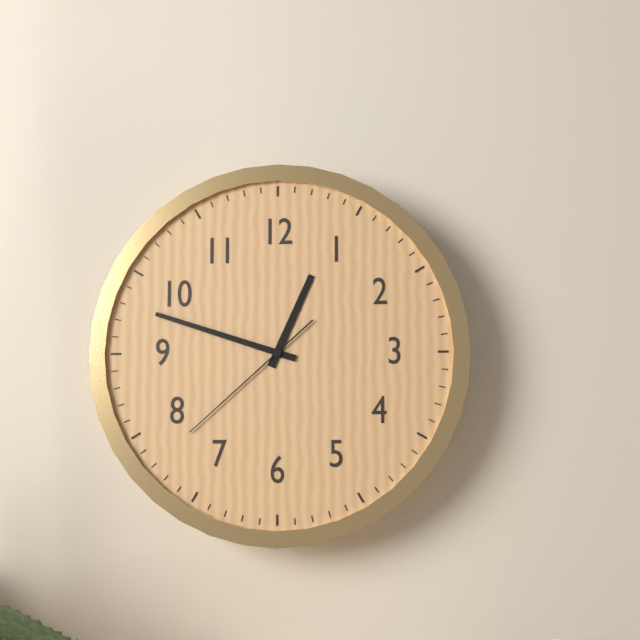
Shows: 12:48:38
